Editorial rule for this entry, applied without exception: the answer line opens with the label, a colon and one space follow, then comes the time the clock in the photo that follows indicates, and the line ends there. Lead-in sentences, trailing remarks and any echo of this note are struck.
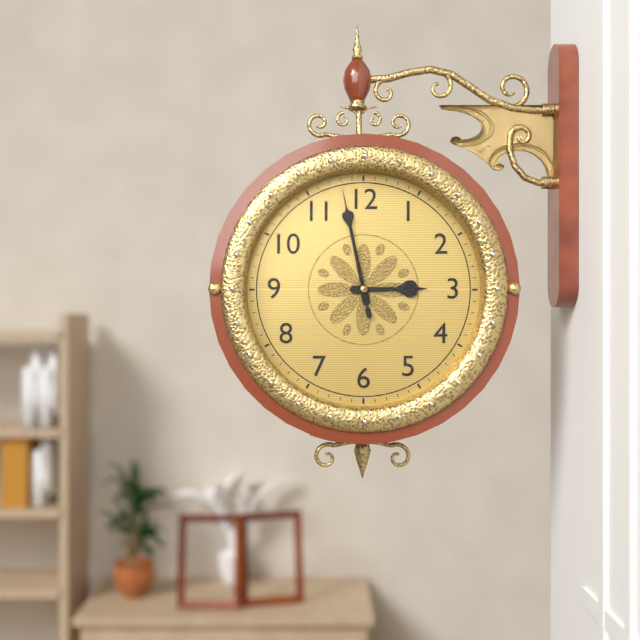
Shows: 2:58:58
